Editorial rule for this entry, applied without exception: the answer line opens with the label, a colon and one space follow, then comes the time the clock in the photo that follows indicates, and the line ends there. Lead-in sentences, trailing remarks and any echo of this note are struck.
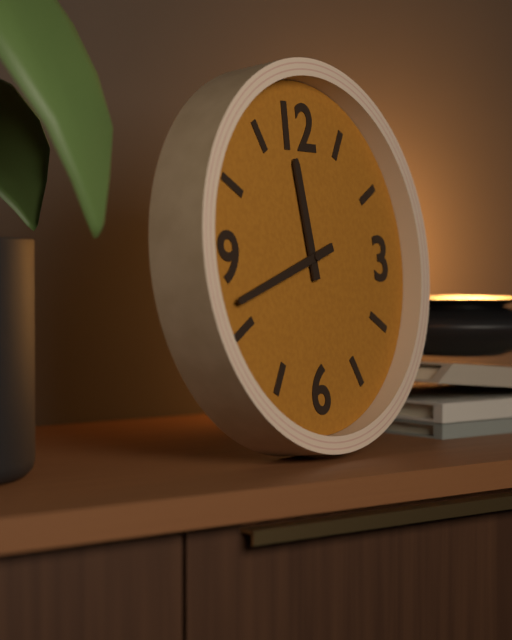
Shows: 11:42
